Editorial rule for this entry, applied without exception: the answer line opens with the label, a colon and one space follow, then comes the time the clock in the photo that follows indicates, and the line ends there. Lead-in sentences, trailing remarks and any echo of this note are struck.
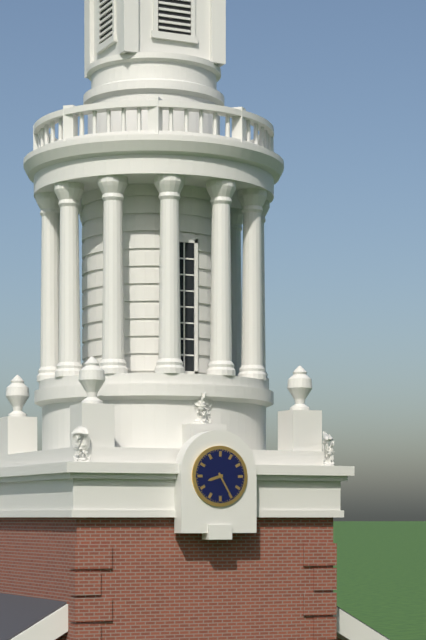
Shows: 8:25
